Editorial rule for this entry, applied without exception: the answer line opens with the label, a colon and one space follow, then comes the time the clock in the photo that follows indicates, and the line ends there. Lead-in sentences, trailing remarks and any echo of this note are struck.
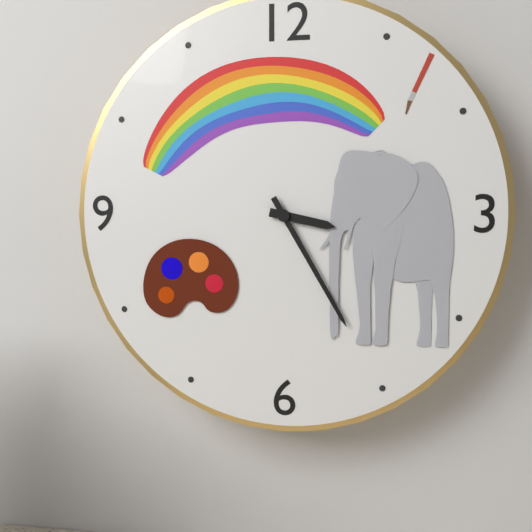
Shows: 3:25
